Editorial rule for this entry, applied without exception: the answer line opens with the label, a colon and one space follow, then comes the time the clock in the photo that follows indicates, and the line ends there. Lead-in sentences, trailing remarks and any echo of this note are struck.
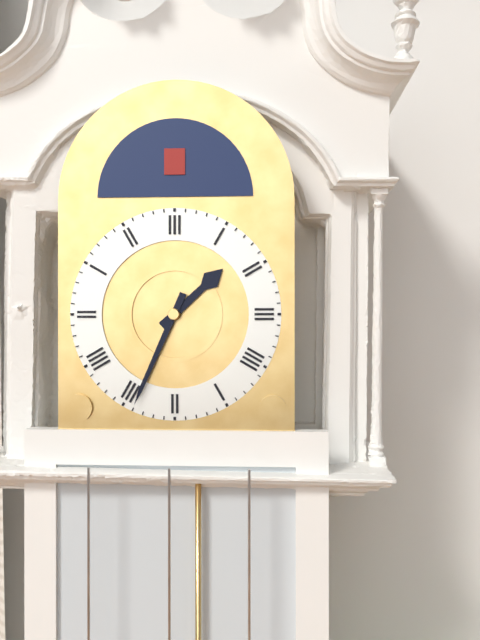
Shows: 1:34
